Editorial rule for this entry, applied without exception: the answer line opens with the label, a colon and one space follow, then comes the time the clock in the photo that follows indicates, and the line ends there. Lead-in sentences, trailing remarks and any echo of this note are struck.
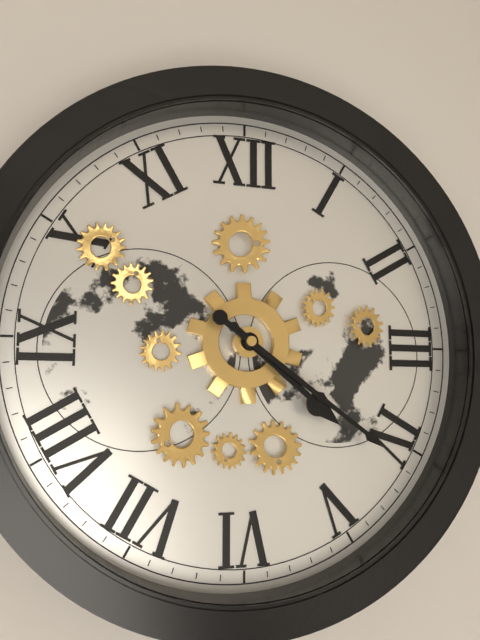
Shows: 4:21
